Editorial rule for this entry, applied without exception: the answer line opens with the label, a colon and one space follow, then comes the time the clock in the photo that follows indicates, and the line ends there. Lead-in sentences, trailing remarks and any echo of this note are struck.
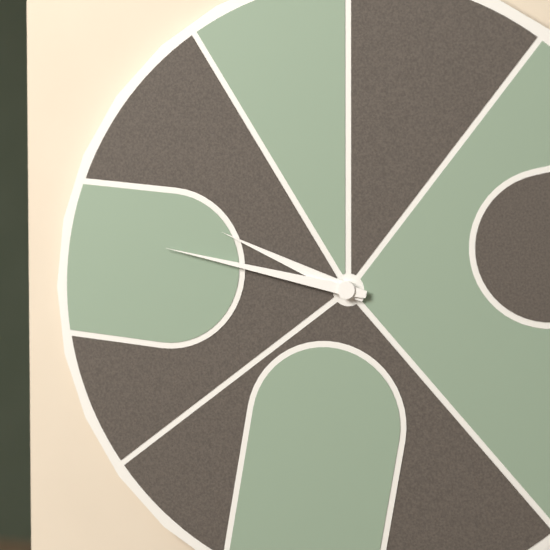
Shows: 9:47
